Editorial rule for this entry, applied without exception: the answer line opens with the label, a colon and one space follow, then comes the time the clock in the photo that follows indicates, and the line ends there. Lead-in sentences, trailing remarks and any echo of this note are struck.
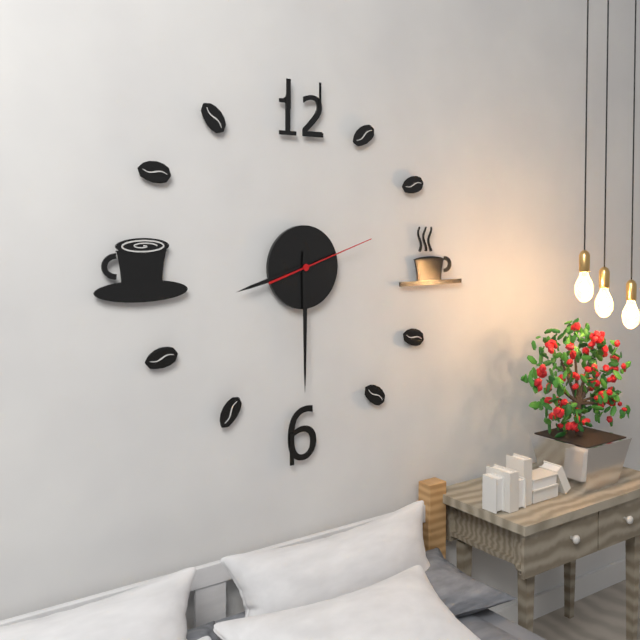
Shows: 8:30:12
